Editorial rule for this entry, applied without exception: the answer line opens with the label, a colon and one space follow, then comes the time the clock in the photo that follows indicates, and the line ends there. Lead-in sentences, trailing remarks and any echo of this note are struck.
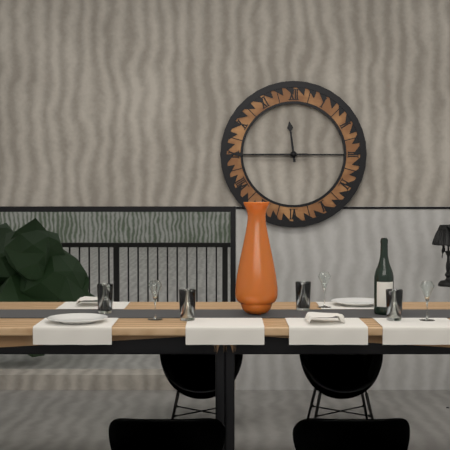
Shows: 11:45
